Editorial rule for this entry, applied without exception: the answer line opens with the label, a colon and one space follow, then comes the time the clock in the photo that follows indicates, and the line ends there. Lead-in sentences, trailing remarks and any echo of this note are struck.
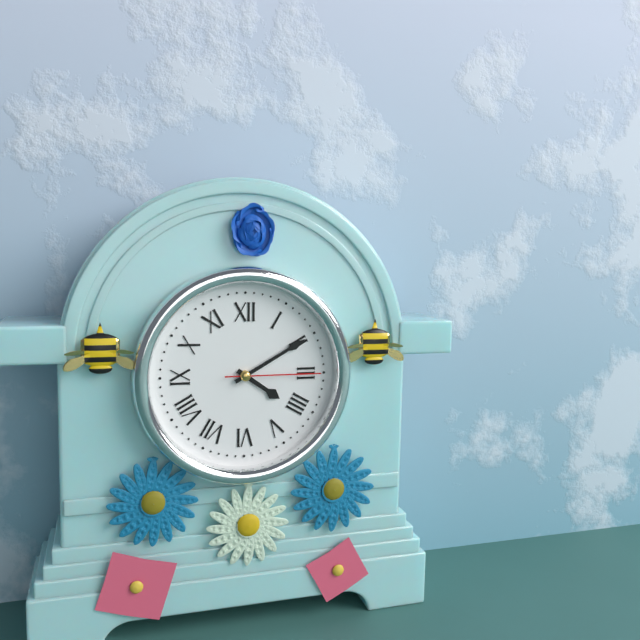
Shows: 4:10:15
